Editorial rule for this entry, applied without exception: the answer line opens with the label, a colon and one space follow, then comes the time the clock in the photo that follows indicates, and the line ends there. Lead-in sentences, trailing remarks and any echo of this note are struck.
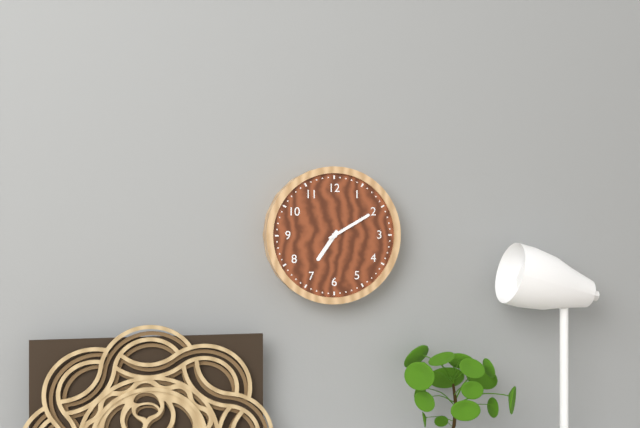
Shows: 7:10
